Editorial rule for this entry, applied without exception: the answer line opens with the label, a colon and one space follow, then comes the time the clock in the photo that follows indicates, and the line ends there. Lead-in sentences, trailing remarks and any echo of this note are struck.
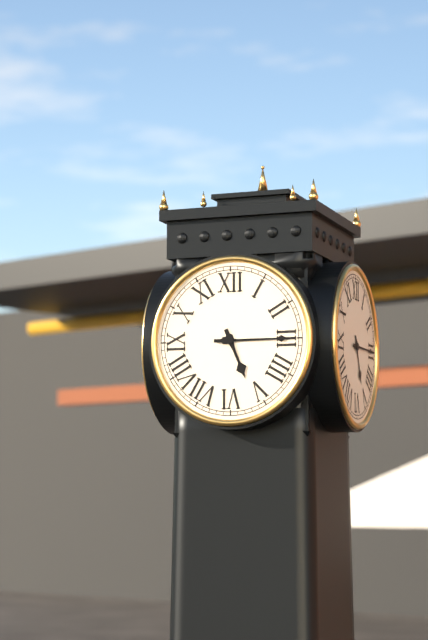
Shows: 5:15
